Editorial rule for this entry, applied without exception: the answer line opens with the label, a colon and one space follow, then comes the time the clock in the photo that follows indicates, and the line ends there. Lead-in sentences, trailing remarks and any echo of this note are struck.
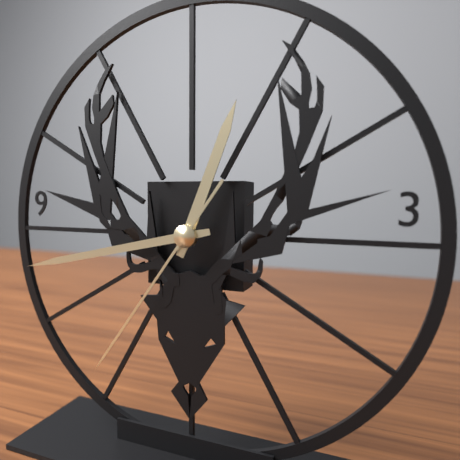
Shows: 12:43:36
